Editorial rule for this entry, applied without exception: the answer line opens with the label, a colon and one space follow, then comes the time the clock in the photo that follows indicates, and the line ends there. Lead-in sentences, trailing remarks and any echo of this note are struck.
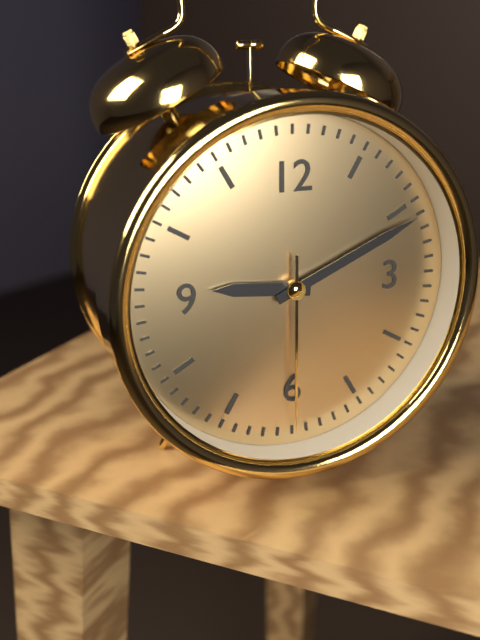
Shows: 9:11:30
